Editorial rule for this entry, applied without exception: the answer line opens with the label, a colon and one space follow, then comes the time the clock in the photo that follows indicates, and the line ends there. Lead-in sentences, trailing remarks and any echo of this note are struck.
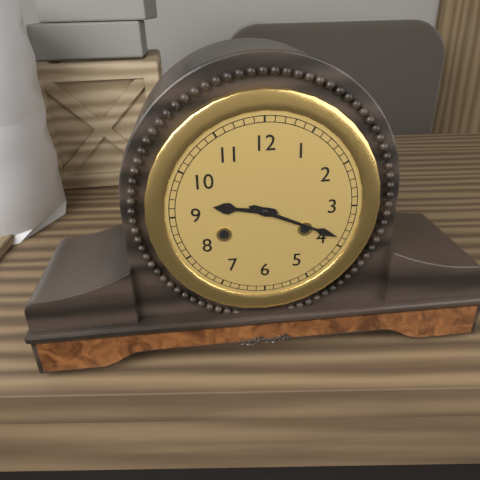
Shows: 9:19
